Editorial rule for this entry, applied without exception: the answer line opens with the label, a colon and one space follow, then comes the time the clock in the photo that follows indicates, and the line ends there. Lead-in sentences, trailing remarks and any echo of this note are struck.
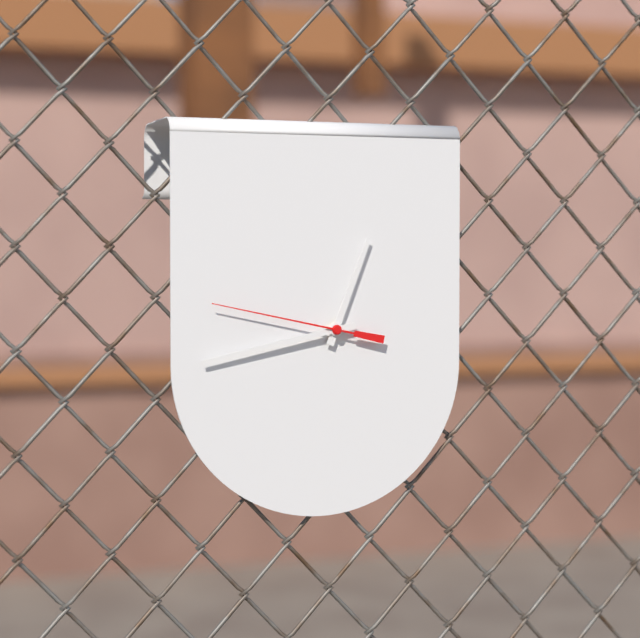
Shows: 12:43:47
